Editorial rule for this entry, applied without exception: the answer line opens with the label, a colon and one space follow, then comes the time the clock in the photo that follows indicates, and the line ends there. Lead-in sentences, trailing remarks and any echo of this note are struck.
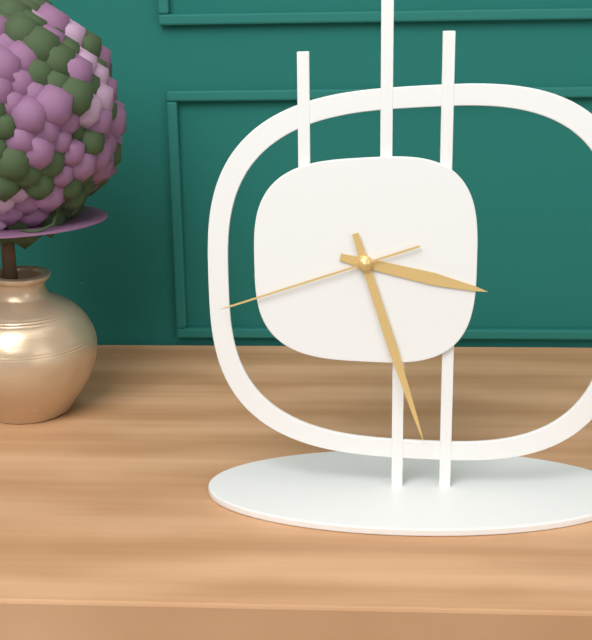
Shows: 3:27:42
